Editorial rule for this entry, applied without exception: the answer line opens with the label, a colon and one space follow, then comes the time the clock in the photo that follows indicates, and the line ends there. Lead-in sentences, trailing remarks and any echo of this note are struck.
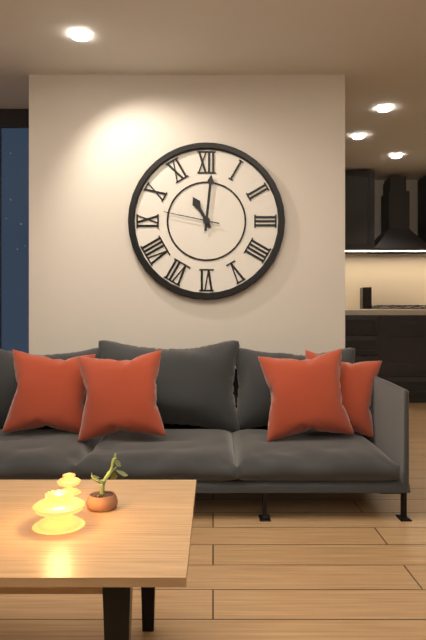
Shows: 11:01:47
